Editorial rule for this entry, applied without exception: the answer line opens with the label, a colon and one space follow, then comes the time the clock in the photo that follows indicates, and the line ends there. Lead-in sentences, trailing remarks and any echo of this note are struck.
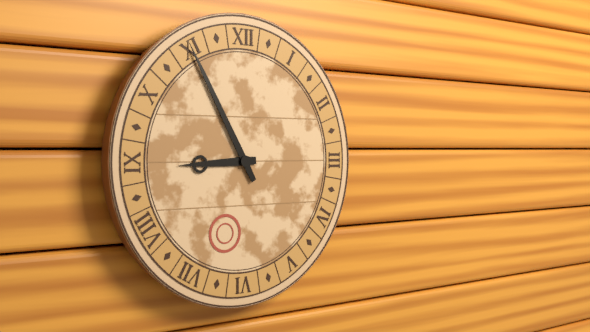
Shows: 8:55
